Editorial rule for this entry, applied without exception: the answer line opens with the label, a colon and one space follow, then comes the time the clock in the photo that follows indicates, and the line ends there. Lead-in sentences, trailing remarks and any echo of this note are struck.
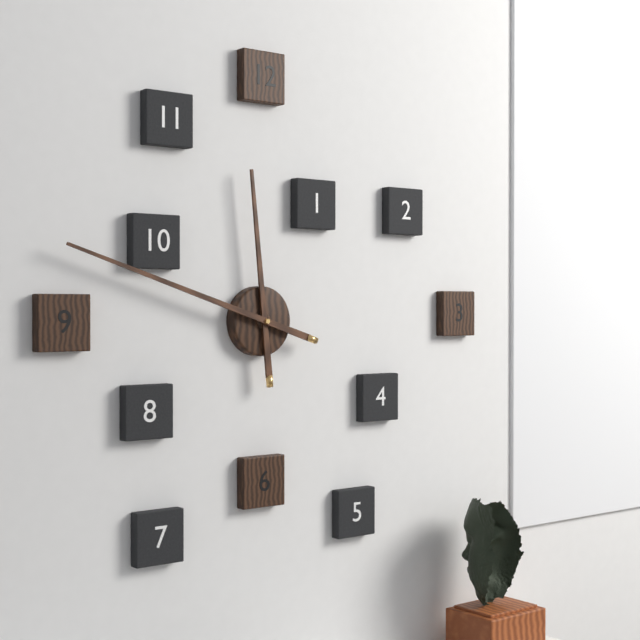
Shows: 11:48
